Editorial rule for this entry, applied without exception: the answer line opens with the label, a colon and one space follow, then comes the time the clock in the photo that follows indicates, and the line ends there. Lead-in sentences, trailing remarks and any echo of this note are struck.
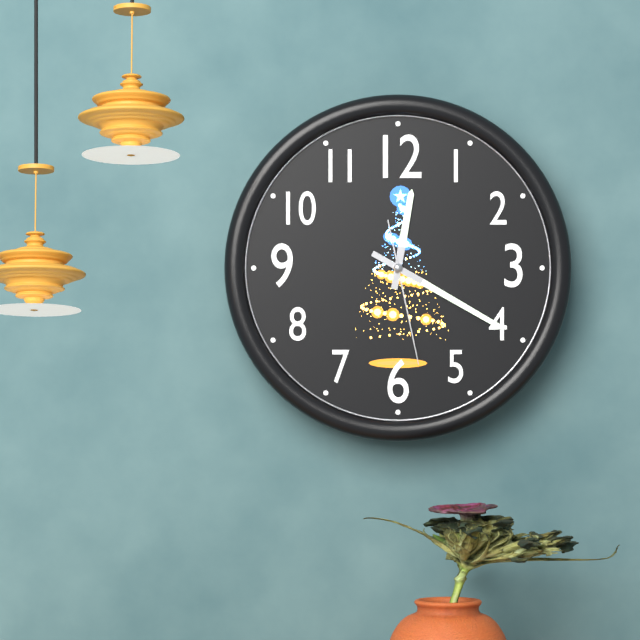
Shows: 12:20:28
